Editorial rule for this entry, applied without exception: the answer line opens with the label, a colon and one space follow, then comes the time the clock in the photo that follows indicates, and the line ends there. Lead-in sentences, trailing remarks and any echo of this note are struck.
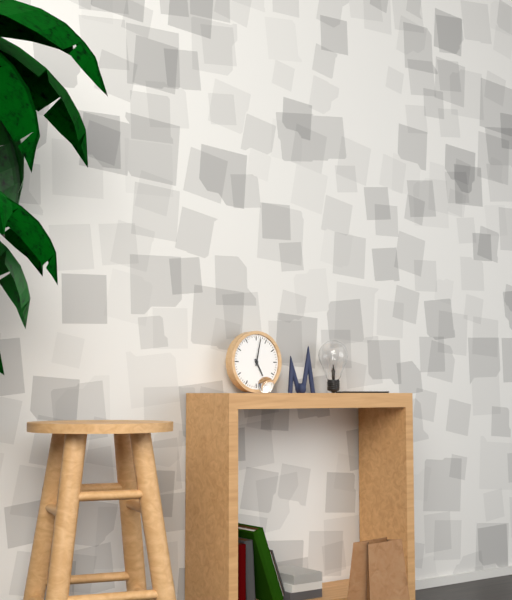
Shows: 5:02
